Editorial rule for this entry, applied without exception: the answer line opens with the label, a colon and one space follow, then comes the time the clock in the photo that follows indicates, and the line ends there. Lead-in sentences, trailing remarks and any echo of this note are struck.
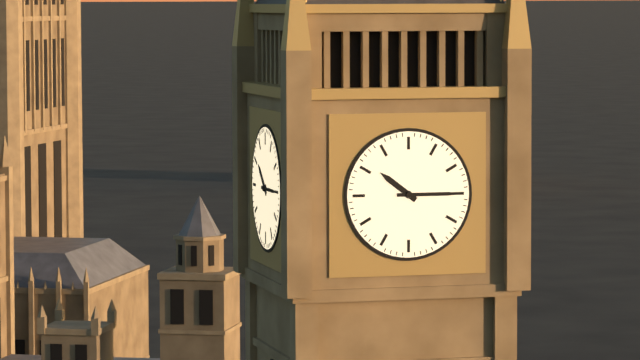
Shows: 10:15
